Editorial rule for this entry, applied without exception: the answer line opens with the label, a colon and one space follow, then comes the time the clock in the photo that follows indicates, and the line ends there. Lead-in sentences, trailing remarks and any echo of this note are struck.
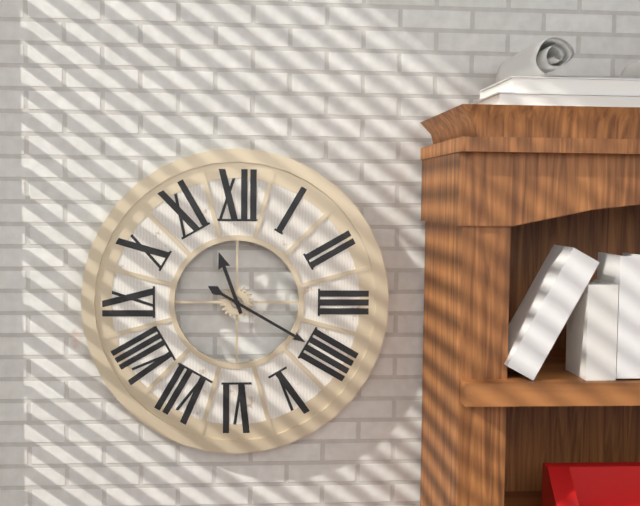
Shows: 11:20
